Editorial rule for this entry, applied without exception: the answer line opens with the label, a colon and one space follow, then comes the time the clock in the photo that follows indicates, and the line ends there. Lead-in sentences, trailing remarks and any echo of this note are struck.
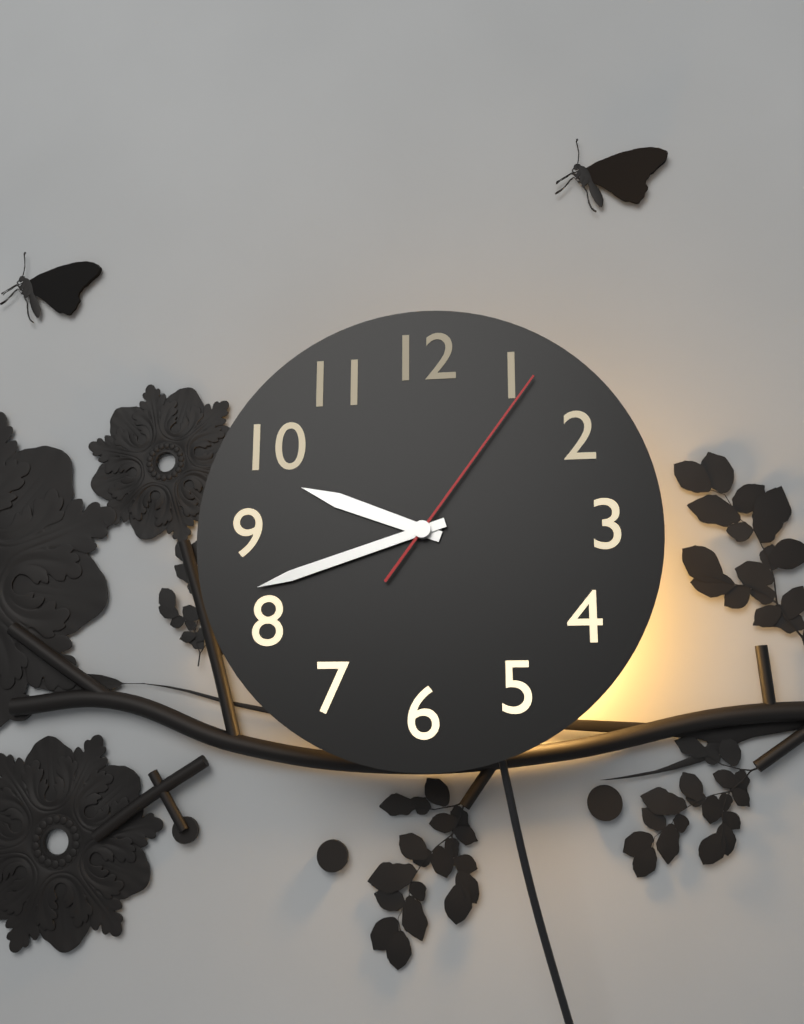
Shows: 9:42:06
